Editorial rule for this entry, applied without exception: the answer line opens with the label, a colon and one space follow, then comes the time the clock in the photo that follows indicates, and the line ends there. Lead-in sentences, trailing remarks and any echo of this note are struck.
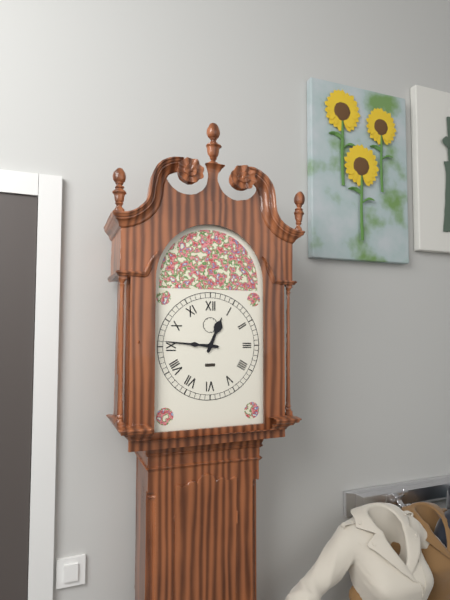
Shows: 12:46
